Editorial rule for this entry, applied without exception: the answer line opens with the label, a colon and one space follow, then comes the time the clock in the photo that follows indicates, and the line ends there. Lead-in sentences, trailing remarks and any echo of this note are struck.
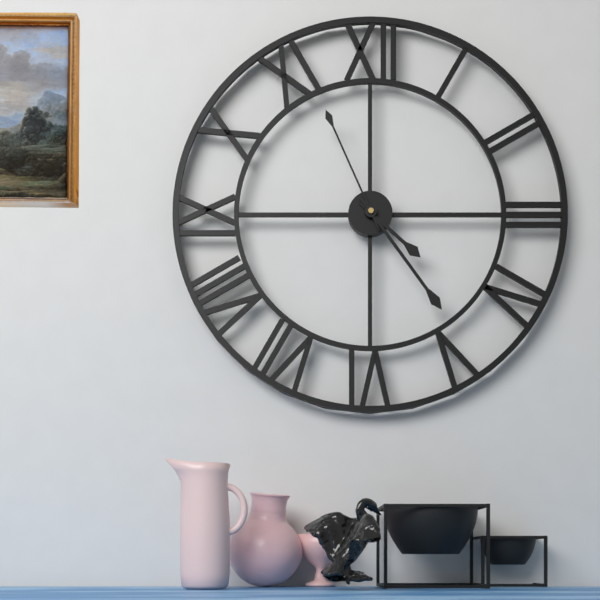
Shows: 4:24:56
